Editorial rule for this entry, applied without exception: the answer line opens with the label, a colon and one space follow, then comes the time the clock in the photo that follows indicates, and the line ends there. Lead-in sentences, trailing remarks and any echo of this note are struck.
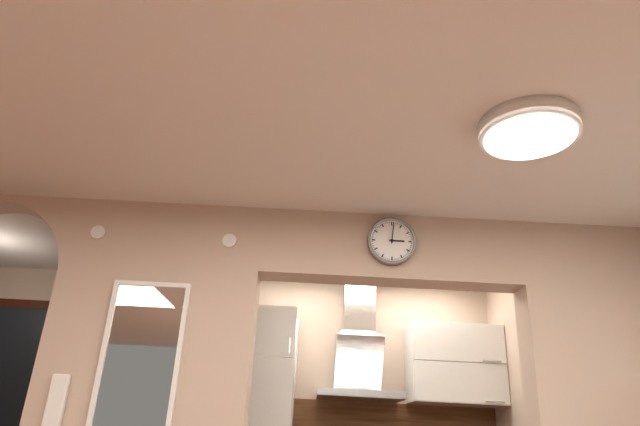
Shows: 3:01
